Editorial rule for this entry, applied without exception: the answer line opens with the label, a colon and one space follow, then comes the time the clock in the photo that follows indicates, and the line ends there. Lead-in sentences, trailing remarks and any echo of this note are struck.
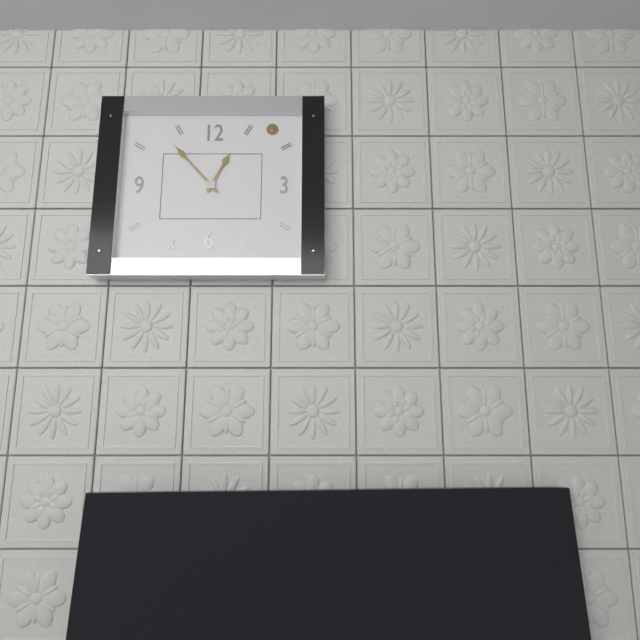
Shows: 12:53
